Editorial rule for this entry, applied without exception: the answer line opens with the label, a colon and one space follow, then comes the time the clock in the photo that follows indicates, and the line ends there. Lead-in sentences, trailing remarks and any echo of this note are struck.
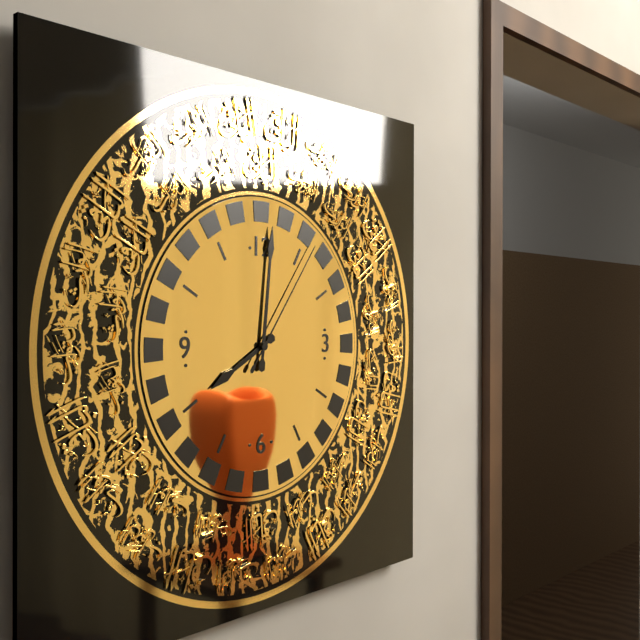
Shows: 8:01:06
